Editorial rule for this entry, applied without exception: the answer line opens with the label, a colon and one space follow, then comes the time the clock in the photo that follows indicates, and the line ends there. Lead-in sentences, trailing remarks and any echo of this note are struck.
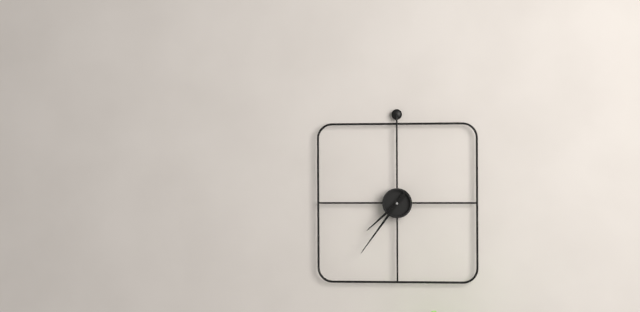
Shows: 7:36
